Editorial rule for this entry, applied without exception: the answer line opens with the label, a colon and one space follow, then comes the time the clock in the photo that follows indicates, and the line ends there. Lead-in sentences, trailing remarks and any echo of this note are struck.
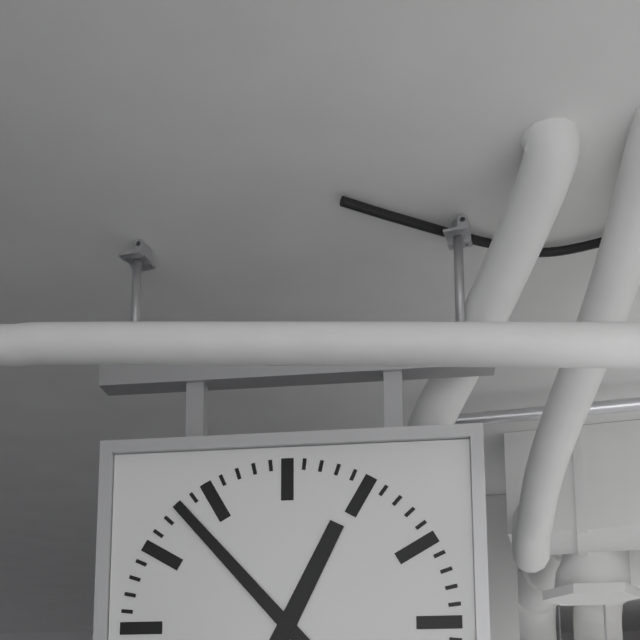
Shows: 12:53
